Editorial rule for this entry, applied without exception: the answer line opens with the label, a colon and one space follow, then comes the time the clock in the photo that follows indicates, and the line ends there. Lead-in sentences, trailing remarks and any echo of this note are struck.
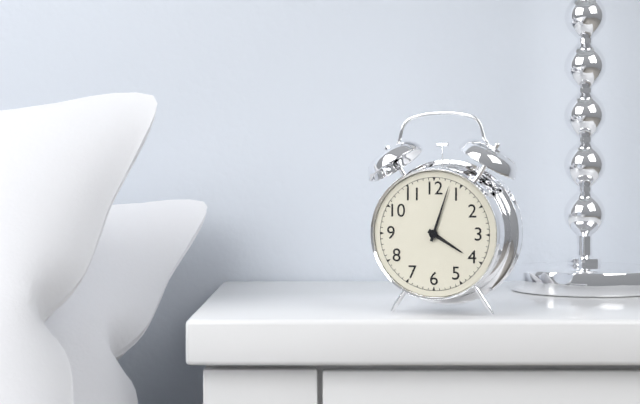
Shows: 4:03
